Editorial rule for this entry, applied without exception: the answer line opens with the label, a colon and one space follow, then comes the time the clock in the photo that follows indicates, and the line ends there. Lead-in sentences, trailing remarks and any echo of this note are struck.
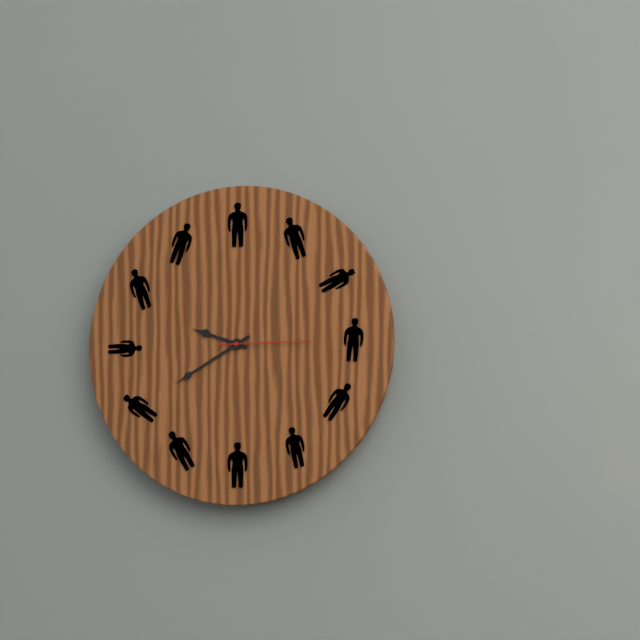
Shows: 9:40:15
